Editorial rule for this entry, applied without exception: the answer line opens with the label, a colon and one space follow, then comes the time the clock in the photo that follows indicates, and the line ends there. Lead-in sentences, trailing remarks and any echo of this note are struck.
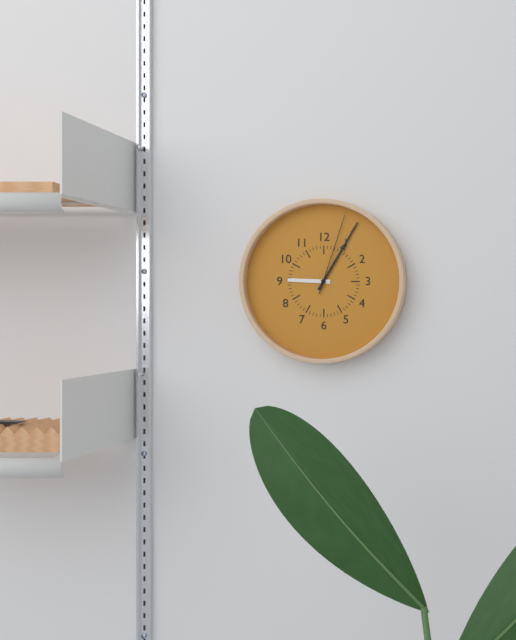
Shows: 9:05:03
